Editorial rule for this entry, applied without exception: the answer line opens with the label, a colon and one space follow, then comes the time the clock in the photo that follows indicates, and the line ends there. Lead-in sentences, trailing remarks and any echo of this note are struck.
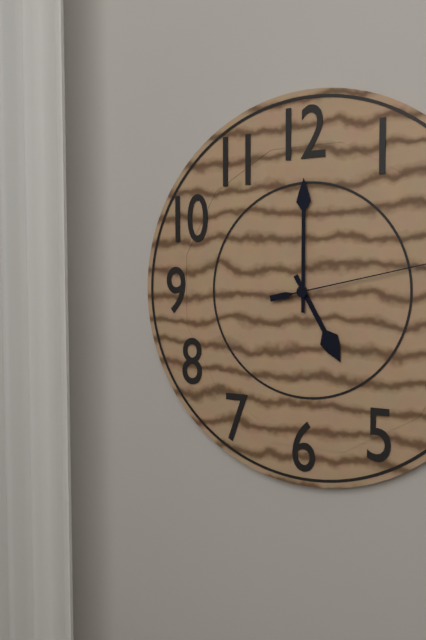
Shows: 5:00
